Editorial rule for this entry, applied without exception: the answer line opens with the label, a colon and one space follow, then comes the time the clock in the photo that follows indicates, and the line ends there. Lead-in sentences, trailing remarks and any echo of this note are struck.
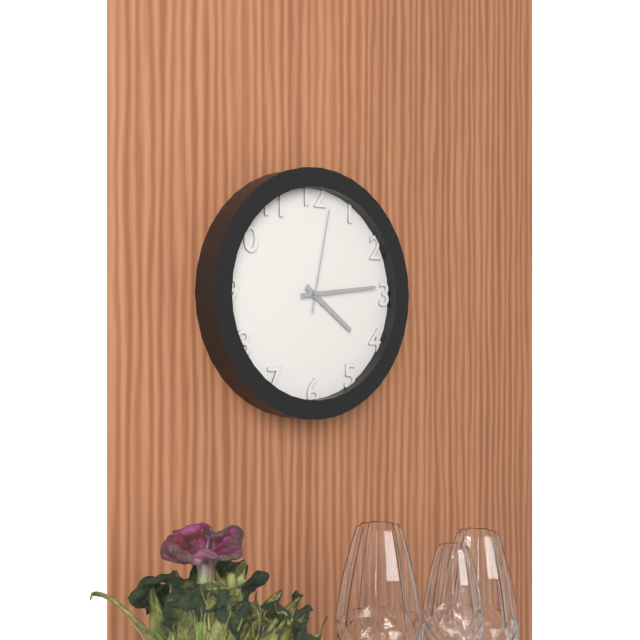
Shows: 4:14:02
